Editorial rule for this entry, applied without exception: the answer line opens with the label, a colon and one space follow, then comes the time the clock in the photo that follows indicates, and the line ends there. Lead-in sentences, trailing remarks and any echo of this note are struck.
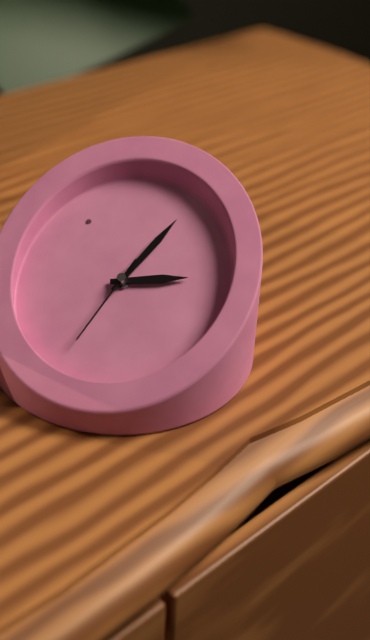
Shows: 5:18:47
